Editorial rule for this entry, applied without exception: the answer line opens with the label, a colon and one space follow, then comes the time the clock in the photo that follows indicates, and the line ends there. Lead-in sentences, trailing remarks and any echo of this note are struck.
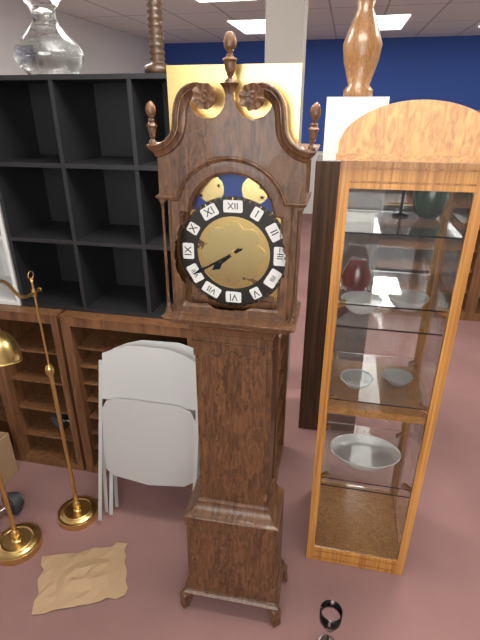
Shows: 7:40
